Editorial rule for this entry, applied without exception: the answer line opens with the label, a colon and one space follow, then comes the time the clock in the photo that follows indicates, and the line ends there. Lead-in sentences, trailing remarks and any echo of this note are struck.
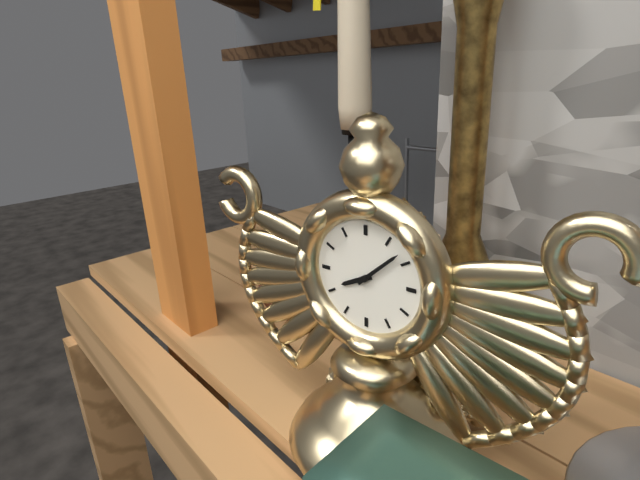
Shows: 8:08
